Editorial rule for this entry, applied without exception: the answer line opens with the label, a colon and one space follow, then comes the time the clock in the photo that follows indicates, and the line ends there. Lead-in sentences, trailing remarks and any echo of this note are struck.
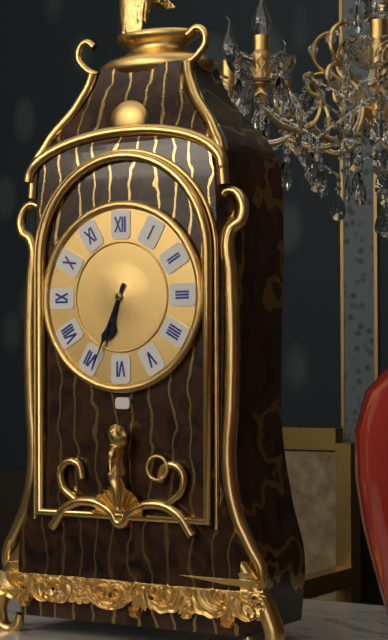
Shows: 6:34
